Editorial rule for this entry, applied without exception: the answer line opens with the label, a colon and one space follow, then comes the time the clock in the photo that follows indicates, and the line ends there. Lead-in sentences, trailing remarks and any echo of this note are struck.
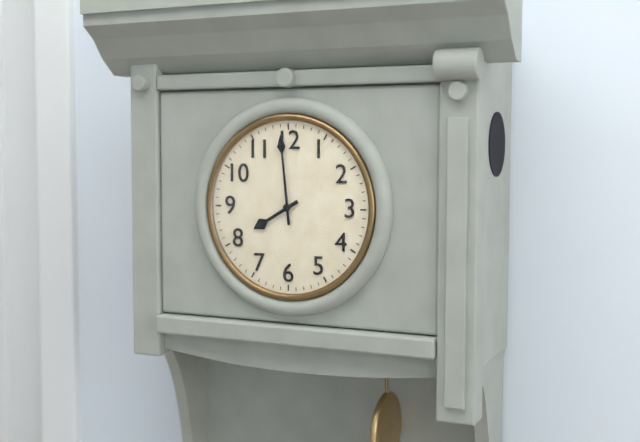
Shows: 7:59
